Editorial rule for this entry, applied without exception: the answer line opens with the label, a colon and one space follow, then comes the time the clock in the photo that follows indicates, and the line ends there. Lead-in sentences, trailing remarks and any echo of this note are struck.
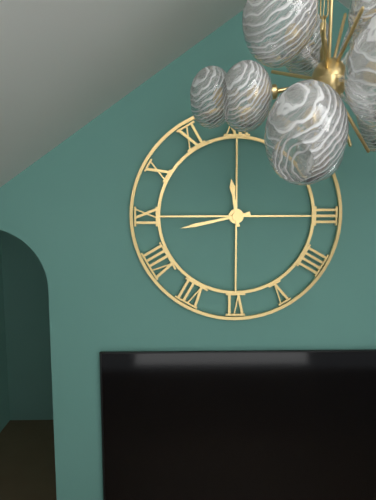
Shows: 11:43
